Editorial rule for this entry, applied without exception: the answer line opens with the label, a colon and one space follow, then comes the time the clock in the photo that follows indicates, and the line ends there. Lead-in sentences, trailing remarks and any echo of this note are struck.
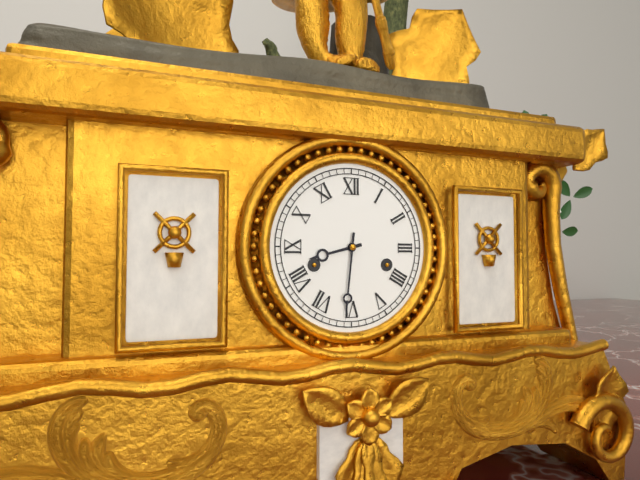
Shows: 8:31
